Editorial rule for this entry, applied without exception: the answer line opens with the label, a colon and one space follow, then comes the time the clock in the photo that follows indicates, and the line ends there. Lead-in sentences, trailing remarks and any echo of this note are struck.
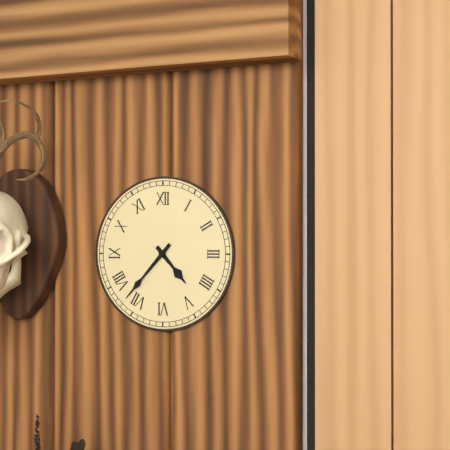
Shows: 4:37
